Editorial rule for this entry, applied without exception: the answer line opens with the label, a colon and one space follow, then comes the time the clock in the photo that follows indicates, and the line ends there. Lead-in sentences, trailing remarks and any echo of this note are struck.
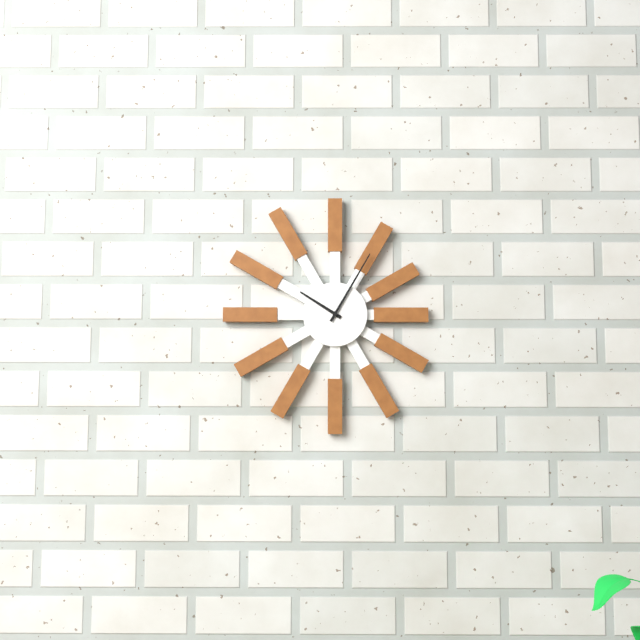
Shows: 10:05
